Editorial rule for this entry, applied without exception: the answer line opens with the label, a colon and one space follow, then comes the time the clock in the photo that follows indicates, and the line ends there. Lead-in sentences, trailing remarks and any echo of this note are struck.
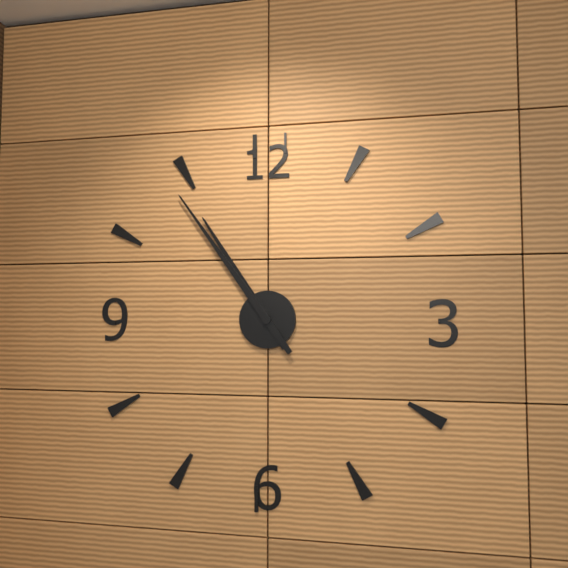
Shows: 10:54
